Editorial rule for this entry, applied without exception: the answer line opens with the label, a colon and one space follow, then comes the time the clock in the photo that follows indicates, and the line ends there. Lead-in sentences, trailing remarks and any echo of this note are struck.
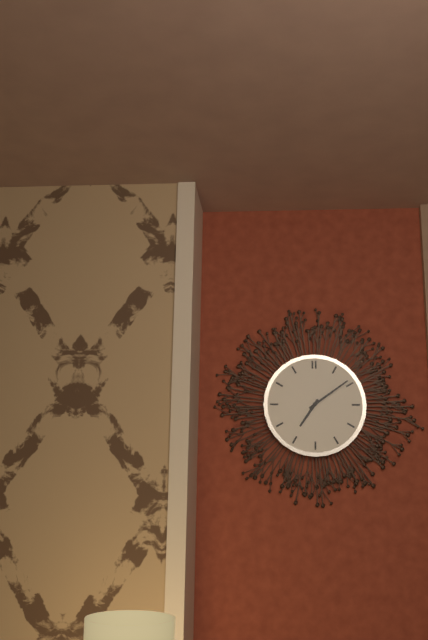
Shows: 7:09
